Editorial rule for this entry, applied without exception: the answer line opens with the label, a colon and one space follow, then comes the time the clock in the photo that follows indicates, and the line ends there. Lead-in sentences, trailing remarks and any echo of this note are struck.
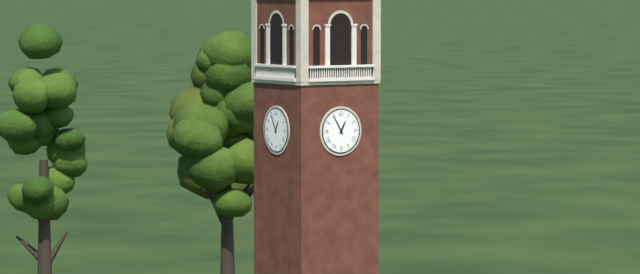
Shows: 12:55
